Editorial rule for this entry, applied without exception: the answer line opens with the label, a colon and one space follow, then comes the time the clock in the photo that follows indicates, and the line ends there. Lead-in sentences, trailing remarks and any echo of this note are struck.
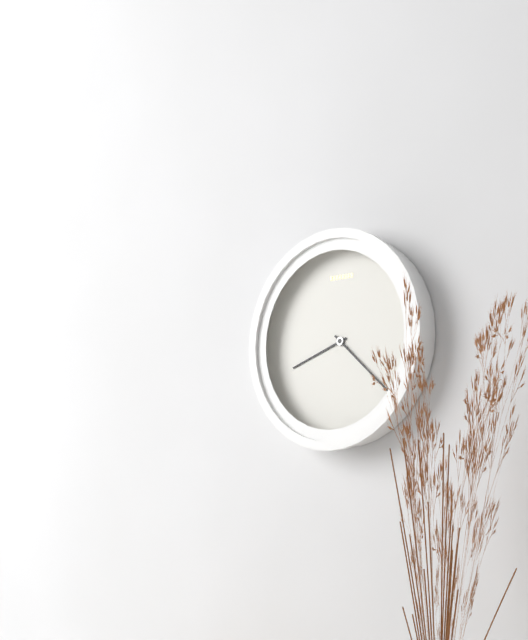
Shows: 8:22
